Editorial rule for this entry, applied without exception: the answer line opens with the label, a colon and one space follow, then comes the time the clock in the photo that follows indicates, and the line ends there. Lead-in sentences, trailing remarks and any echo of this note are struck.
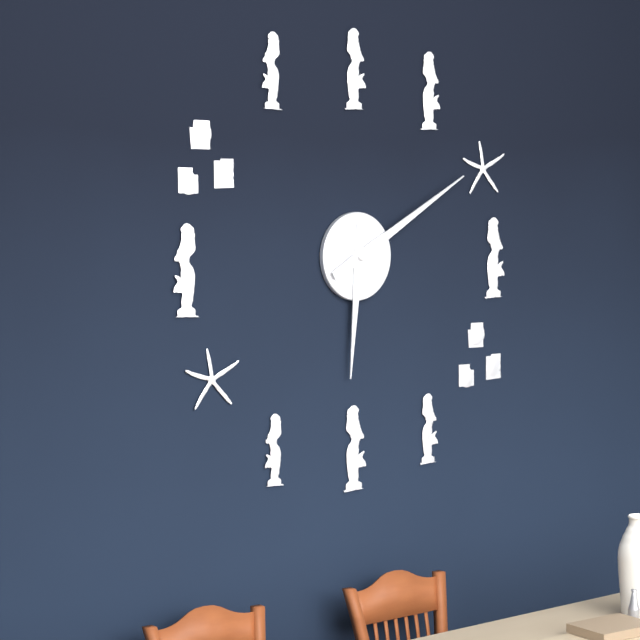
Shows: 6:10
